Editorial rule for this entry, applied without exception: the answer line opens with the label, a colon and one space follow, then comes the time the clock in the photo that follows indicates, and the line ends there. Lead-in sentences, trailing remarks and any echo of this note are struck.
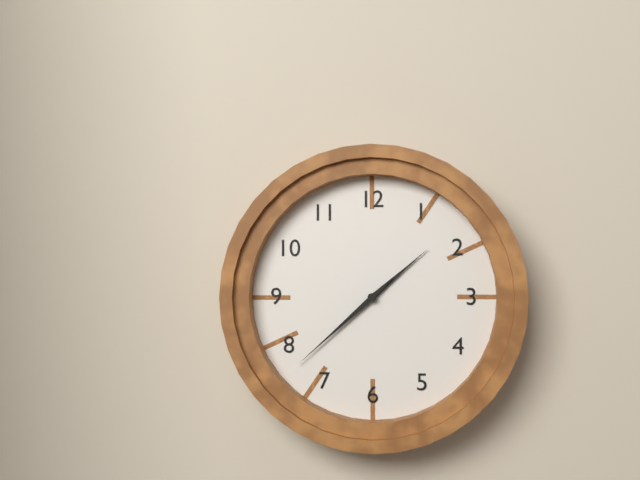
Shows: 1:38
